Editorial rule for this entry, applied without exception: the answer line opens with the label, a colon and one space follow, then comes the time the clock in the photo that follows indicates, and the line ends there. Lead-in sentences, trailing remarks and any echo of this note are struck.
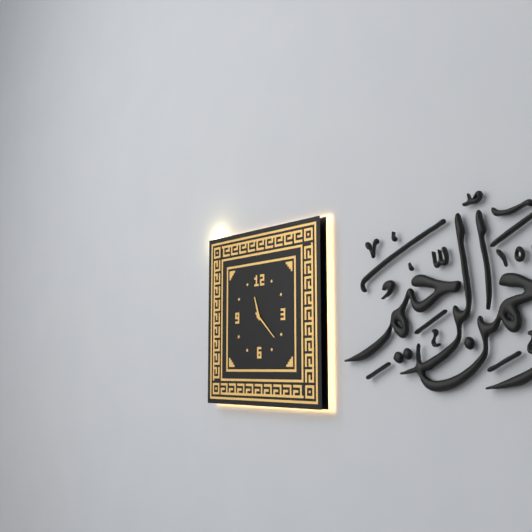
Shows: 11:22
